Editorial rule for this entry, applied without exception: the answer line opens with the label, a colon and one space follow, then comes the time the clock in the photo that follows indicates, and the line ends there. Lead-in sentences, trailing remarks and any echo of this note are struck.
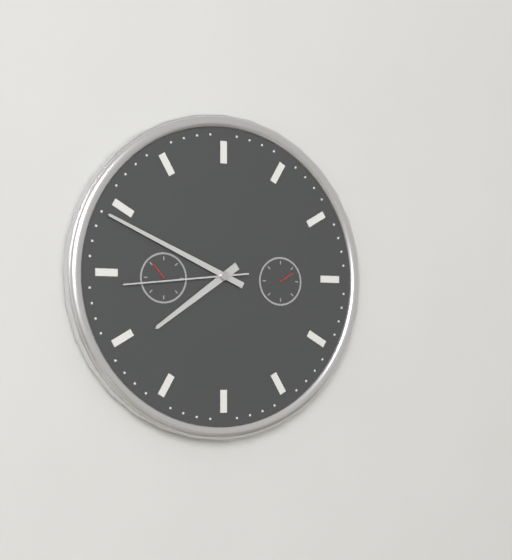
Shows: 7:49:44
